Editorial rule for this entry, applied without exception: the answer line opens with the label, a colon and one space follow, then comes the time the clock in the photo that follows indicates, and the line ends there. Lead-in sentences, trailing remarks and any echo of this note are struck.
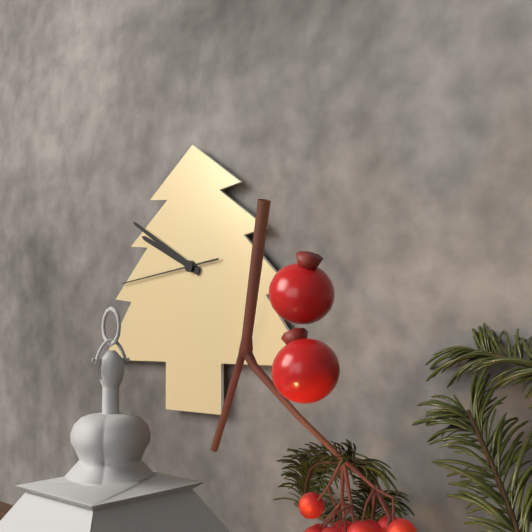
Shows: 9:50:44
